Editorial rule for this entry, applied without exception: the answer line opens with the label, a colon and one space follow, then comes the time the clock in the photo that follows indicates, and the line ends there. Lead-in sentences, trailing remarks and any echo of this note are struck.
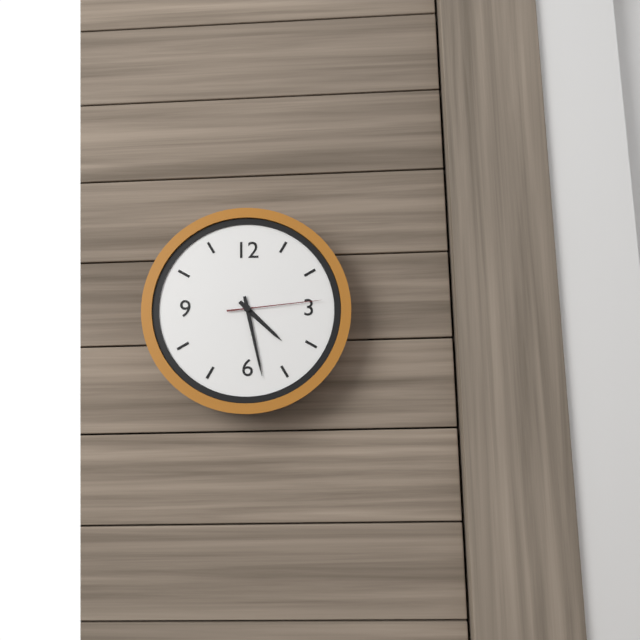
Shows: 4:28:14
